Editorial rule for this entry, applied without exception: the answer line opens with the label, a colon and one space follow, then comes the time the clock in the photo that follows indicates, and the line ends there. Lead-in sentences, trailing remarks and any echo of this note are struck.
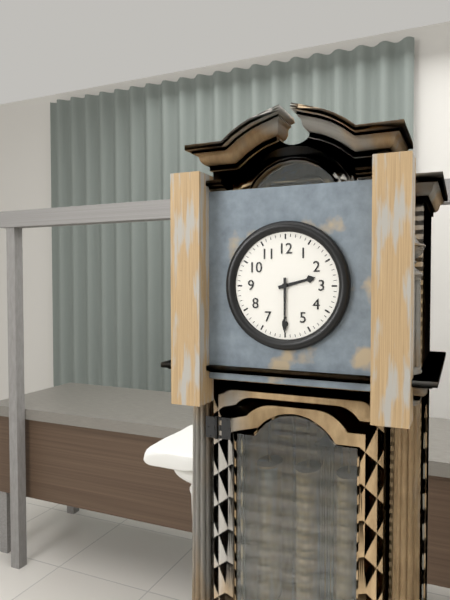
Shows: 2:30
